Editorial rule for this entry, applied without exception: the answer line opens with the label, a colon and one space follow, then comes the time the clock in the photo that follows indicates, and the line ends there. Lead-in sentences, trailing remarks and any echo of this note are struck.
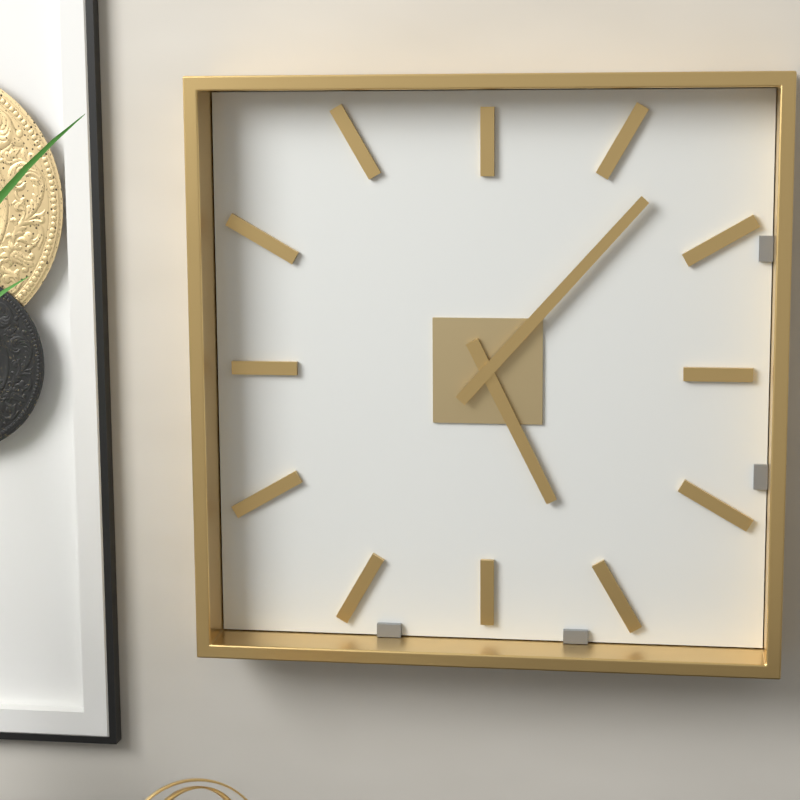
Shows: 5:07
